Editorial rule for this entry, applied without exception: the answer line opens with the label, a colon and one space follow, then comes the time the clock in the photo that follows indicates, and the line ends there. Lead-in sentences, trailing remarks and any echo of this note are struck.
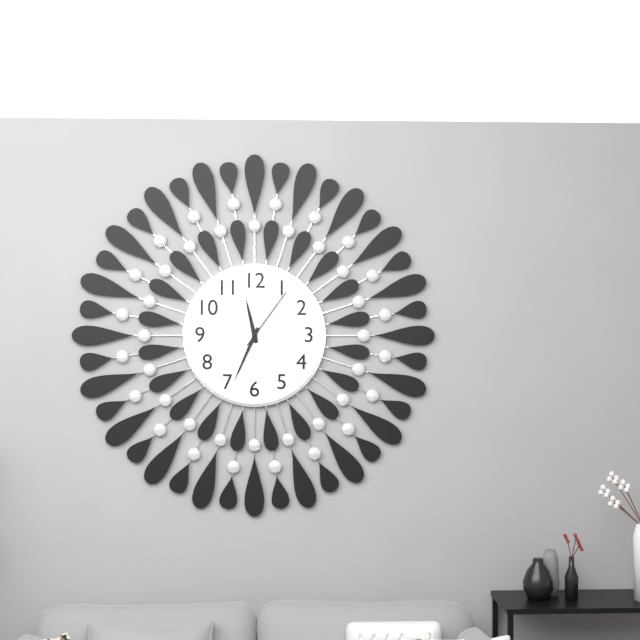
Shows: 11:34:06
